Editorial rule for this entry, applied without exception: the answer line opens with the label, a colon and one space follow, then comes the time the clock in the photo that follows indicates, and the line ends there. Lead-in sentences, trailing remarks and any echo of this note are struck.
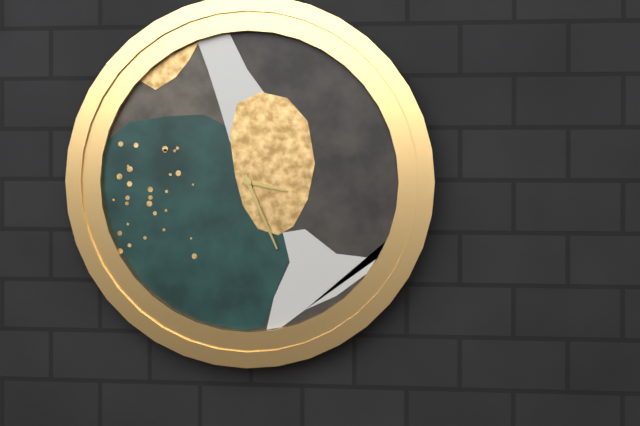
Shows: 3:26
